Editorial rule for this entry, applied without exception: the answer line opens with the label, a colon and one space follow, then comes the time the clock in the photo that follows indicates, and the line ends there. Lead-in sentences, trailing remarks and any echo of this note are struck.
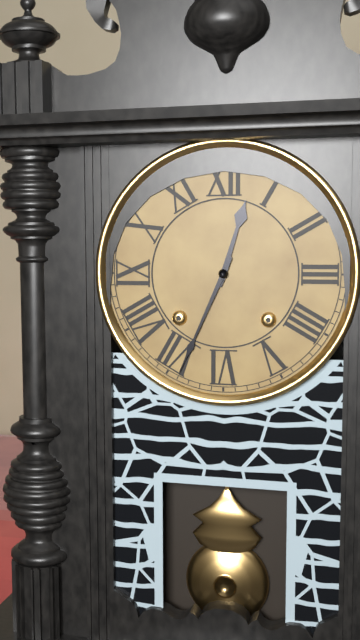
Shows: 12:34
